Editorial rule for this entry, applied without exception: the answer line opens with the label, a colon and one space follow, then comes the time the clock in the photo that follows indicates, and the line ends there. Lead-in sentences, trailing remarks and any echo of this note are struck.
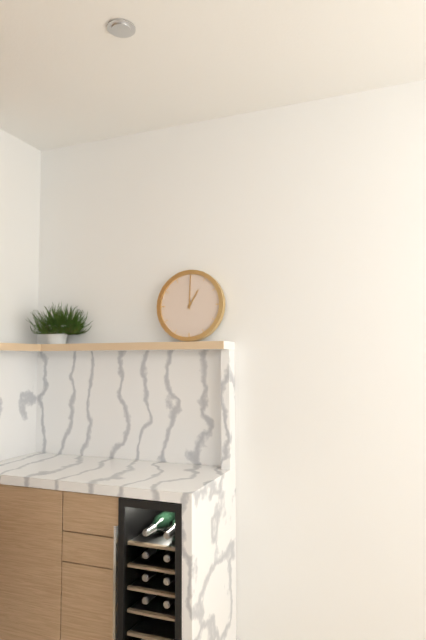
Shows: 1:00
